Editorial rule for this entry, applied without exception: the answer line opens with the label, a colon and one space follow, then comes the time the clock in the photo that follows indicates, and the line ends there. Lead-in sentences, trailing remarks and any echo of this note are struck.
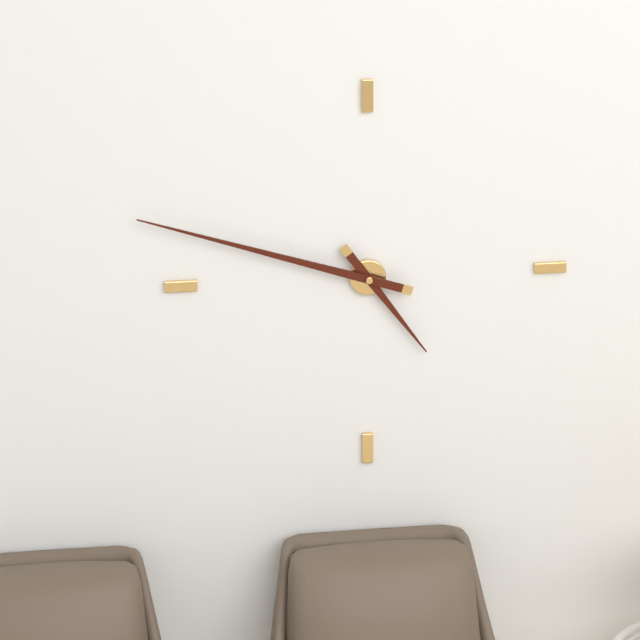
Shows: 4:48
